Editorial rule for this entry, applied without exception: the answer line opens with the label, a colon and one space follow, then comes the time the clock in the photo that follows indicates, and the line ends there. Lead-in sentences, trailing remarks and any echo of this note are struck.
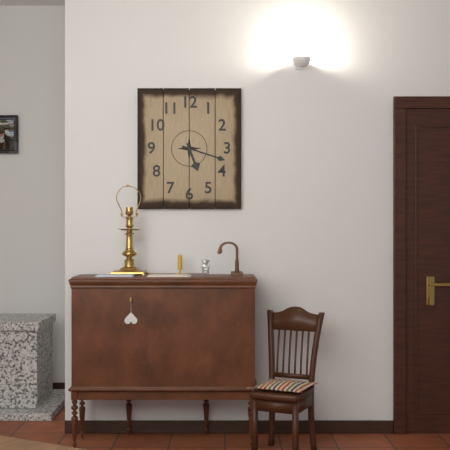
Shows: 5:18
